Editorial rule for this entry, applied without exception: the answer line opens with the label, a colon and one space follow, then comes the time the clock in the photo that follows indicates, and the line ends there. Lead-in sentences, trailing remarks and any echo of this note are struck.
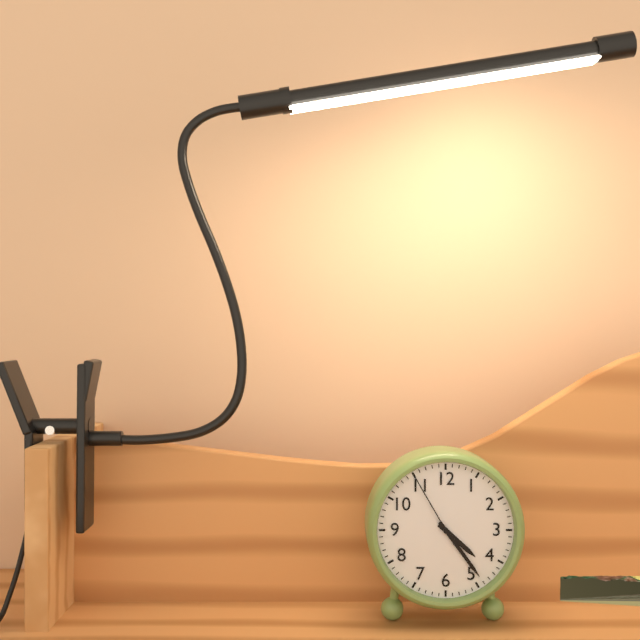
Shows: 4:24:55
